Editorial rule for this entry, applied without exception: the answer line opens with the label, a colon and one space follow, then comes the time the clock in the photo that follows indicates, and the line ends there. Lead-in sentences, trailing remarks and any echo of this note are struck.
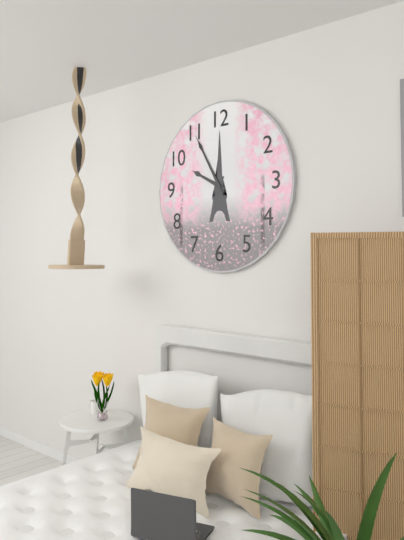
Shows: 9:55
